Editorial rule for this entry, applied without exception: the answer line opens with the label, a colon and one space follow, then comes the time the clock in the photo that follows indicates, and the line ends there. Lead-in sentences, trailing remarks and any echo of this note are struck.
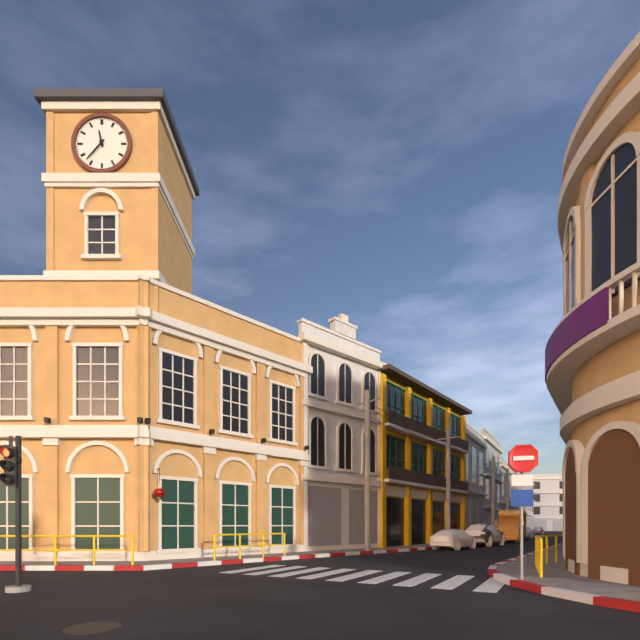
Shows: 11:37
